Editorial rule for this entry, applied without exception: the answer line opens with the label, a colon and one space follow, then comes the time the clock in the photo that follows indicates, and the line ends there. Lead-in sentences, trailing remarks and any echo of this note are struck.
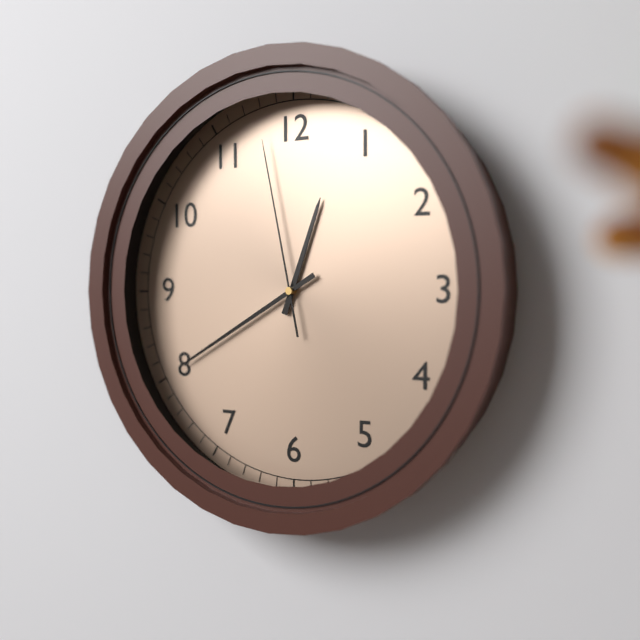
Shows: 12:40:58
